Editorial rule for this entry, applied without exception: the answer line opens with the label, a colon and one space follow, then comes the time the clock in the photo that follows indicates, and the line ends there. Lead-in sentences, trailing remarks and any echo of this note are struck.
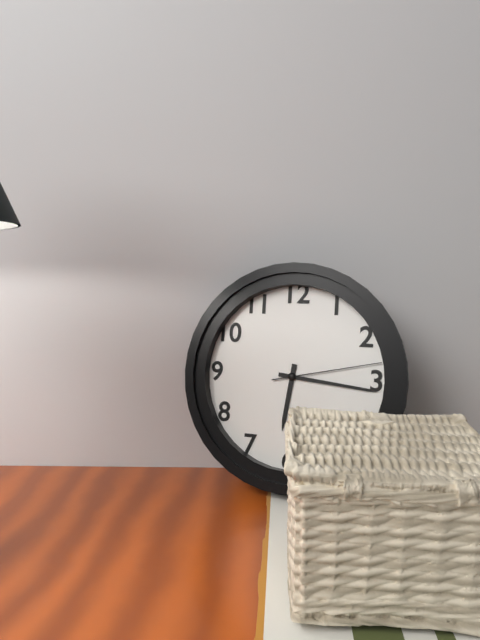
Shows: 6:16:13
